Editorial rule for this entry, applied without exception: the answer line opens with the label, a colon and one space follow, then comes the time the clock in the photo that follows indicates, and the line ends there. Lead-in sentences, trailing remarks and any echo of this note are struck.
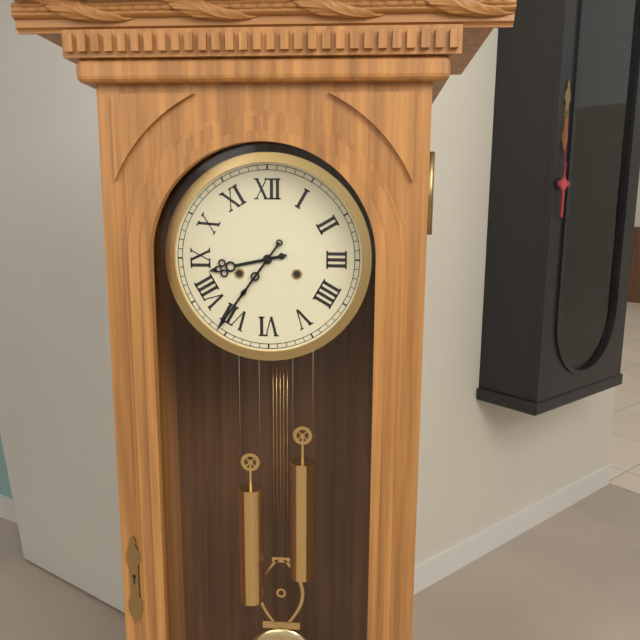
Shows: 8:36
